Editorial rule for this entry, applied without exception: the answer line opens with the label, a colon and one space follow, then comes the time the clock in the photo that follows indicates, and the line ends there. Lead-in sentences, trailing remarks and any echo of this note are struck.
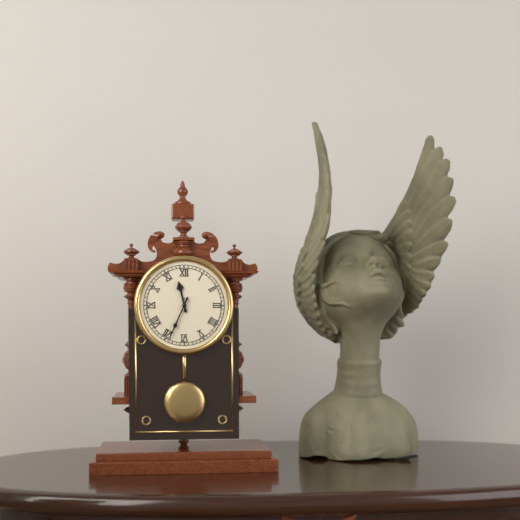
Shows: 11:34
